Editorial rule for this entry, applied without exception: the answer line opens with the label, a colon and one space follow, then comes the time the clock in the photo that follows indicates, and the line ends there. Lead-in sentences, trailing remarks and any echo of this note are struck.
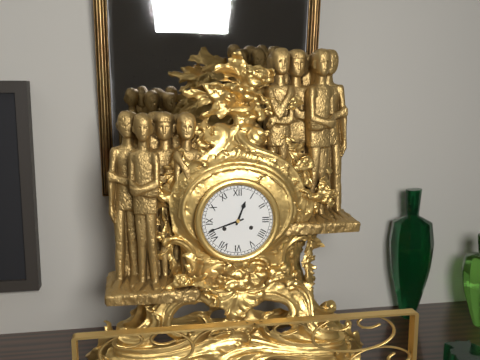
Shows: 12:42
